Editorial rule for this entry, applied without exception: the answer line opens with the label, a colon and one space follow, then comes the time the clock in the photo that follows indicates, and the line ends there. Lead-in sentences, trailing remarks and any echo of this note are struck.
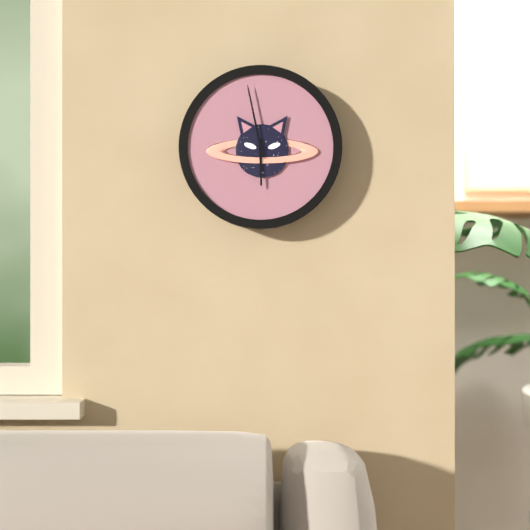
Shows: 5:58
